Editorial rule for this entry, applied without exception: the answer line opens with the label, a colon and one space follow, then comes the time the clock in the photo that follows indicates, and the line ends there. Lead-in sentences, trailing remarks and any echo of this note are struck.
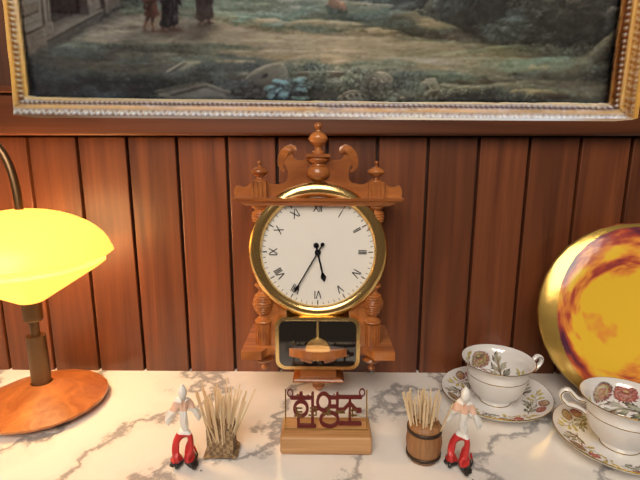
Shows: 5:35
